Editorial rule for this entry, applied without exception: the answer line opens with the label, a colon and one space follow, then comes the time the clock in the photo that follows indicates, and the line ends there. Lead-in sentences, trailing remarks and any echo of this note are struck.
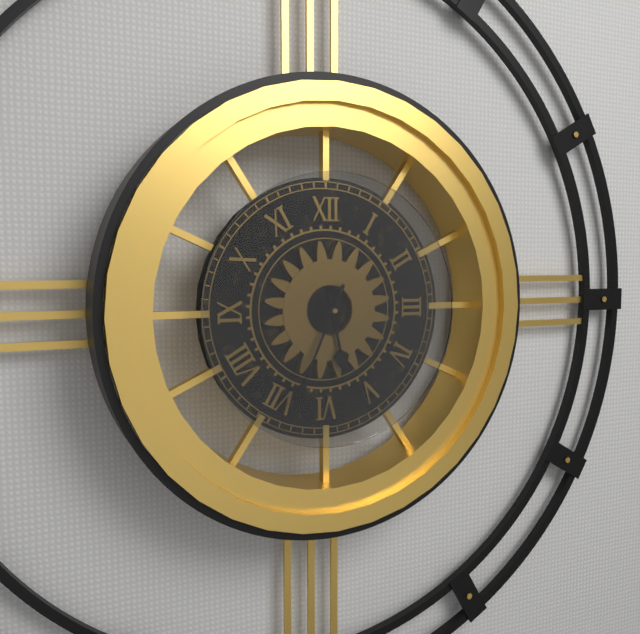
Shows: 5:34
